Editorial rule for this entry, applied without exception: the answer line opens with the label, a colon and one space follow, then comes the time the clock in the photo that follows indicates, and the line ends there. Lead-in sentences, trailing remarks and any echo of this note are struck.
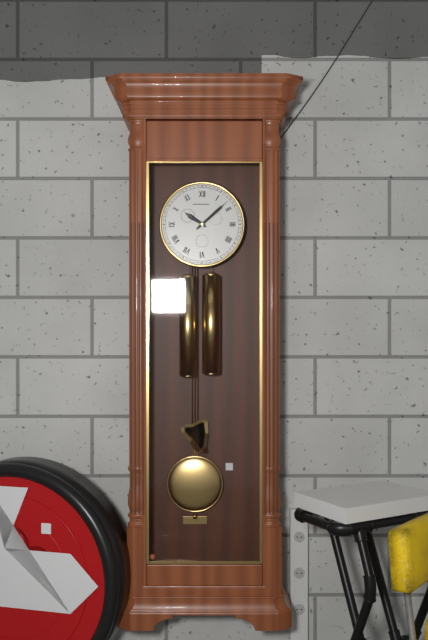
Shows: 10:08
